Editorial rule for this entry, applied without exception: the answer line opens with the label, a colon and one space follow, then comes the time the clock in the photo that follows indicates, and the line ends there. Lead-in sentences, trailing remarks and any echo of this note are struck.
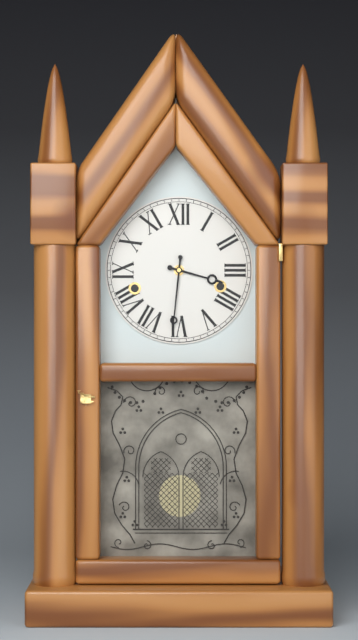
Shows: 3:31
